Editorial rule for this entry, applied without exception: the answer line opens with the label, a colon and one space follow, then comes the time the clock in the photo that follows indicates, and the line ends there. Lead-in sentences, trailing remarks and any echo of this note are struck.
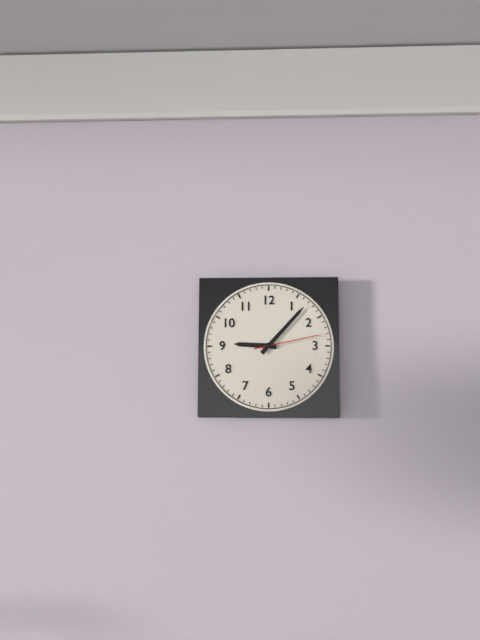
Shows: 9:07:13
